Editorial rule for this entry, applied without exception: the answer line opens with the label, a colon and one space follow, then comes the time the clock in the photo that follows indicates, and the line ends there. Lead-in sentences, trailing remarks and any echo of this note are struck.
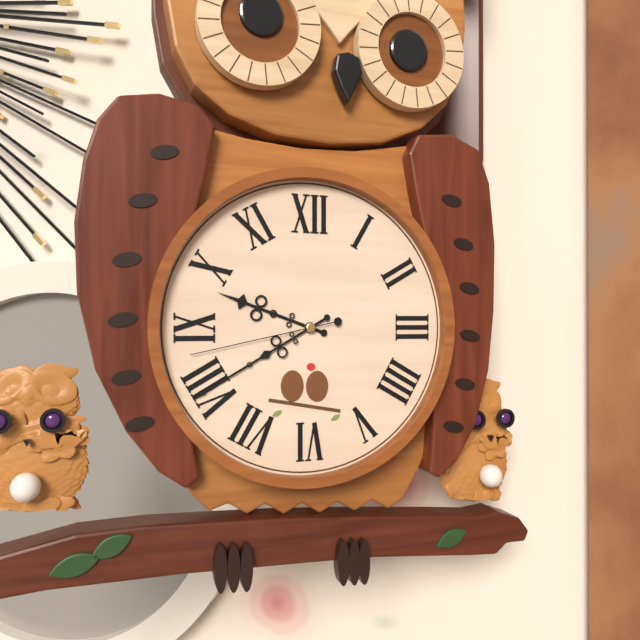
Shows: 9:40:43
